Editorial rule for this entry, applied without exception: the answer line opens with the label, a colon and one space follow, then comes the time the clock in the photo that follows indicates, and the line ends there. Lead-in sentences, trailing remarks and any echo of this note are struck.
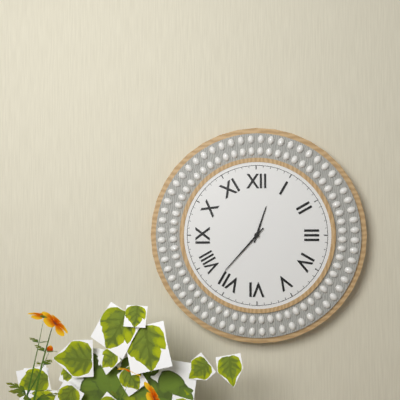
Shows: 12:37
